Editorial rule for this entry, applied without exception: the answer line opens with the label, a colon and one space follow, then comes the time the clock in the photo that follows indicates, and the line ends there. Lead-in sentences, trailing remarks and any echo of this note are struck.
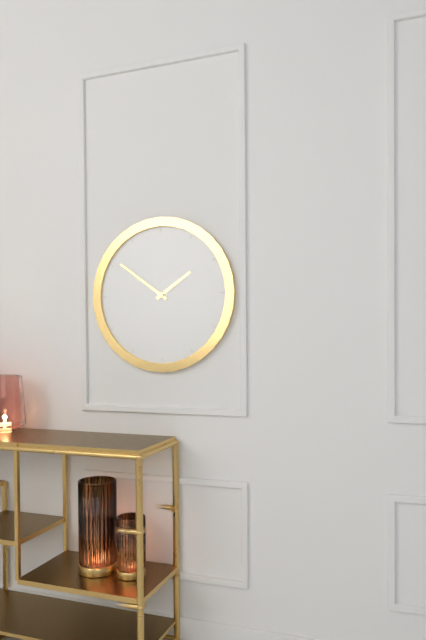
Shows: 1:51
